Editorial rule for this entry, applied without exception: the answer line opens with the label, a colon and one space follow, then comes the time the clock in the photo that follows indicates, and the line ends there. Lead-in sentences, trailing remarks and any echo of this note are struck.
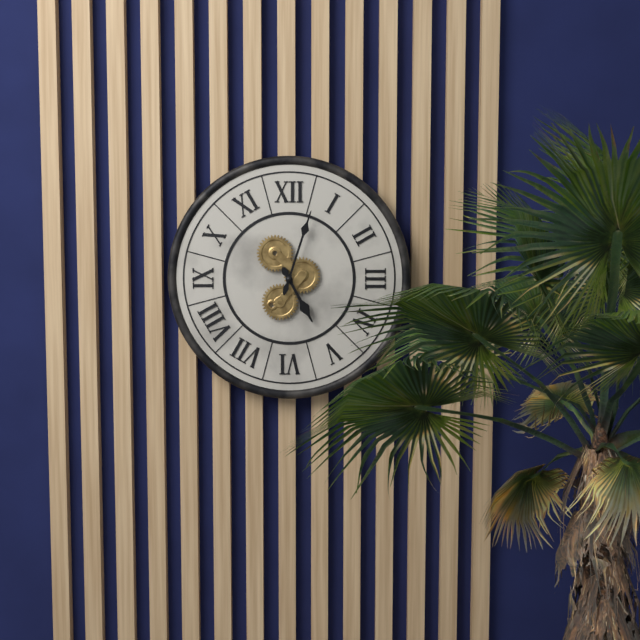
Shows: 5:03
